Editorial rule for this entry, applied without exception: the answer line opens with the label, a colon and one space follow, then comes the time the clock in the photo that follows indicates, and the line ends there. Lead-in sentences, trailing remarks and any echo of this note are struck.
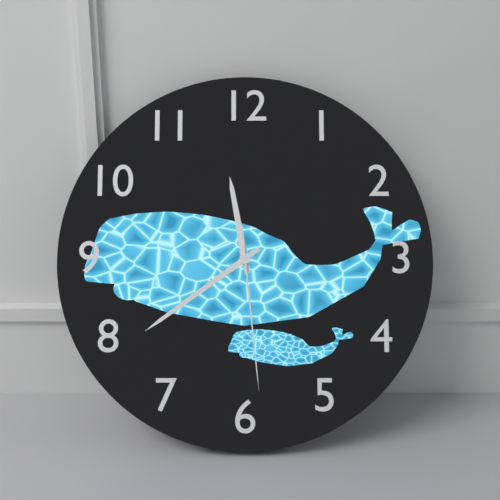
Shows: 11:39:29
